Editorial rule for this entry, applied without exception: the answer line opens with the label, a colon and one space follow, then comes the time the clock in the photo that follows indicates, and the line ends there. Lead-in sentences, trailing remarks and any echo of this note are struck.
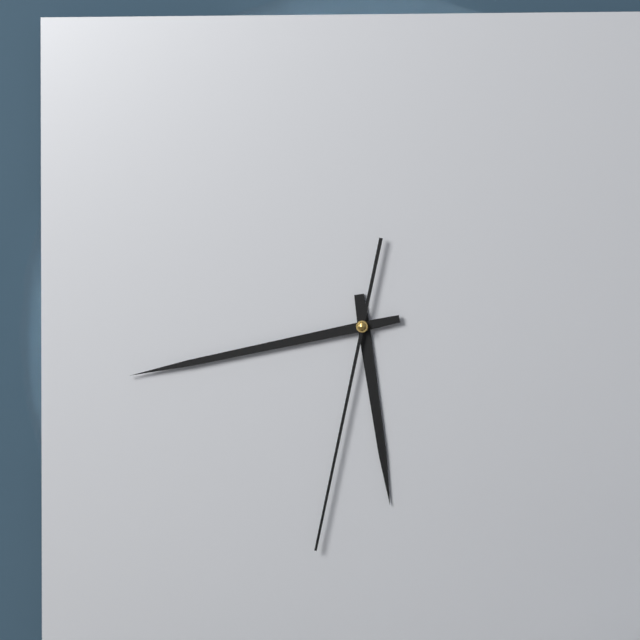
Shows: 5:43:32
